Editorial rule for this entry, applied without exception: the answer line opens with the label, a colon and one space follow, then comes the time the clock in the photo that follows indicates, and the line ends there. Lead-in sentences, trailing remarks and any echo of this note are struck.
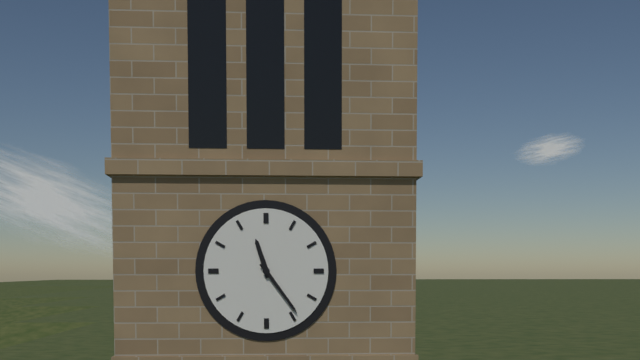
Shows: 11:24
